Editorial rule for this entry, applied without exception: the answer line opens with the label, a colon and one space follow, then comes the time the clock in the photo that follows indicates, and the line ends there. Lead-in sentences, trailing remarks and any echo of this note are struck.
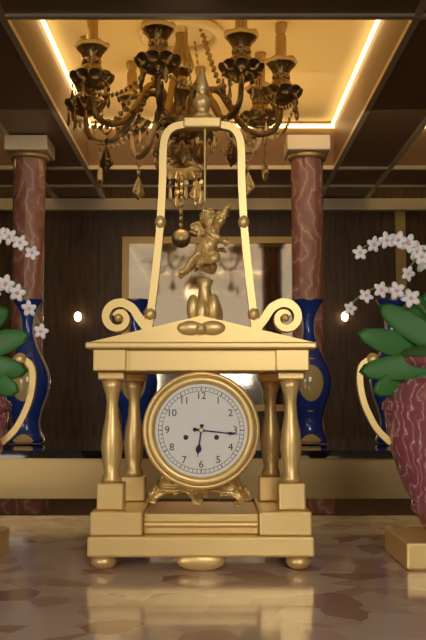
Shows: 6:16
